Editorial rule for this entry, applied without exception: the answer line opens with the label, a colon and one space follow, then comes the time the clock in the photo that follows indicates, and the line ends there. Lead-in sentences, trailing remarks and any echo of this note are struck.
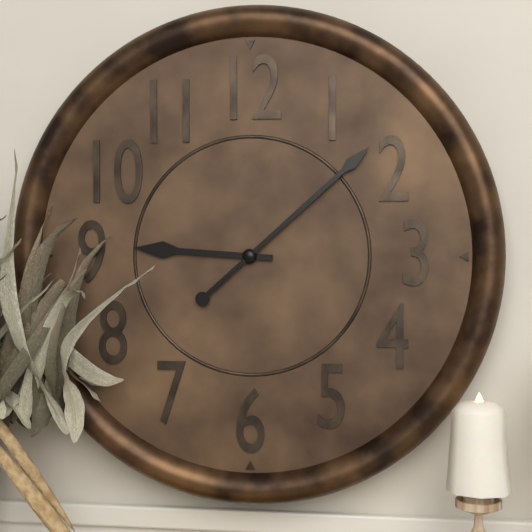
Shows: 9:08
